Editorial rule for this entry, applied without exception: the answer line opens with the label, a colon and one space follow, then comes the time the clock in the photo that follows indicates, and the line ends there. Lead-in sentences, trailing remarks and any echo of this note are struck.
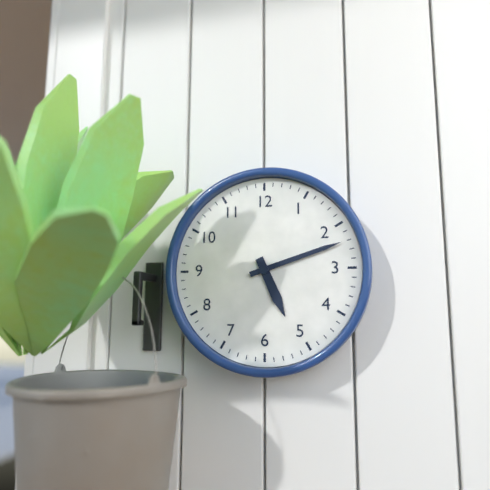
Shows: 5:12
